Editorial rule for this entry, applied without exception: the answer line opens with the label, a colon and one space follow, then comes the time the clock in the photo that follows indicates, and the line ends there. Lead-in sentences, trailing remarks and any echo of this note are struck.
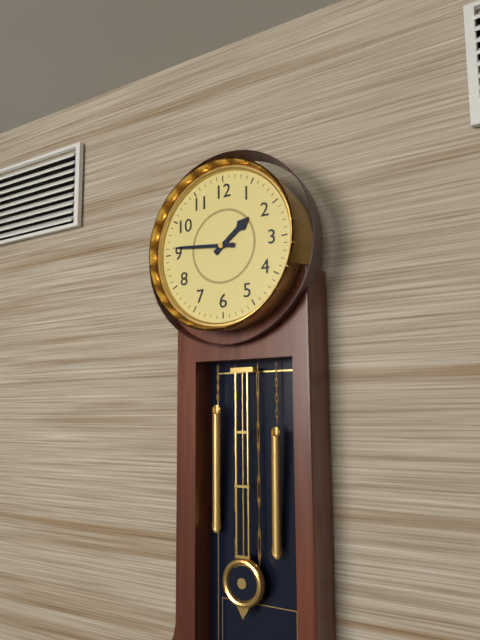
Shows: 1:46
